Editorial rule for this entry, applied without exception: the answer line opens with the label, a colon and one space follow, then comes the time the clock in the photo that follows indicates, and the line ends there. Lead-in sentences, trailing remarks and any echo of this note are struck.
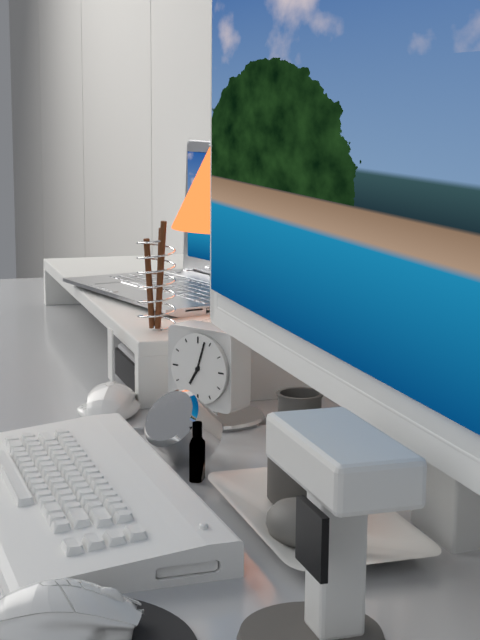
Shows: 7:03
